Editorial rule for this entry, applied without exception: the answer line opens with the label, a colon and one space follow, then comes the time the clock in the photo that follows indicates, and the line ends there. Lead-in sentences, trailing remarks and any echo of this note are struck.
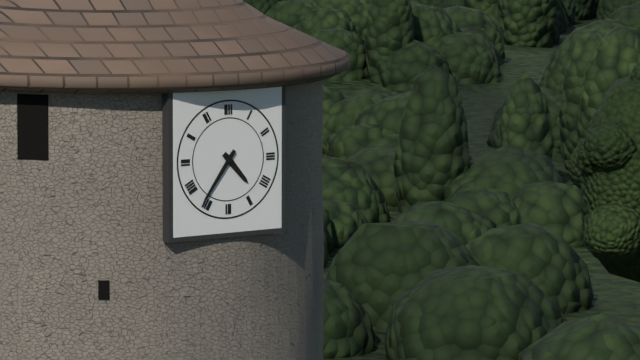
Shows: 4:36
